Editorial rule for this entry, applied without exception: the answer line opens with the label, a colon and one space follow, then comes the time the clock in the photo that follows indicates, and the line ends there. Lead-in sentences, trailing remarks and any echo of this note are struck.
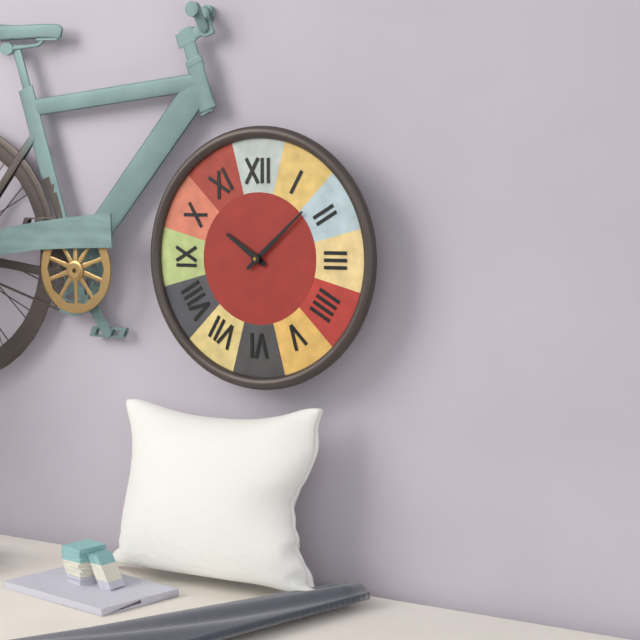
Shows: 10:08
